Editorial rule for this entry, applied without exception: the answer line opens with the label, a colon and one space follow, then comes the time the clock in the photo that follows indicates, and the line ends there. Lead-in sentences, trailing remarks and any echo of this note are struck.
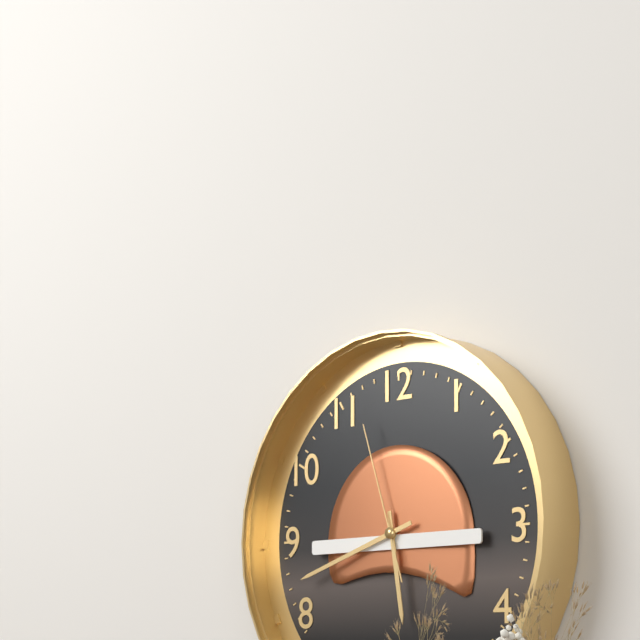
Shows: 5:42:57
